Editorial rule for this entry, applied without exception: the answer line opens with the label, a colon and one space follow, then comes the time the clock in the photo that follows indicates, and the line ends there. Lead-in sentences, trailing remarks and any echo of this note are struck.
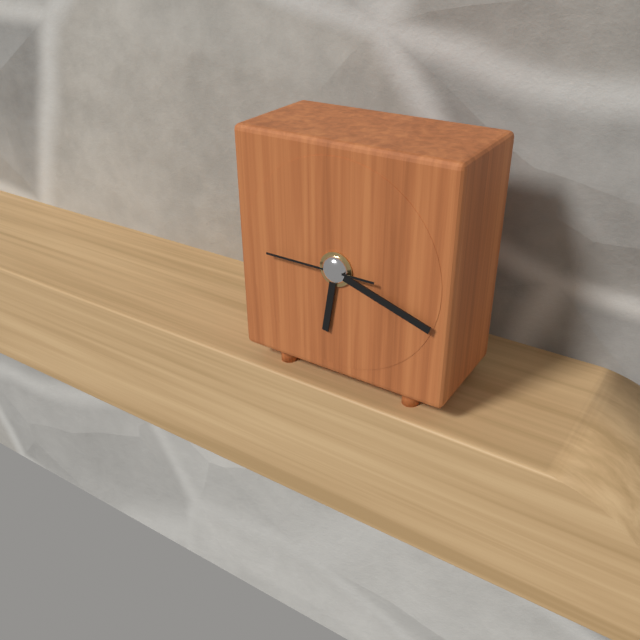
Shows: 6:18:45
